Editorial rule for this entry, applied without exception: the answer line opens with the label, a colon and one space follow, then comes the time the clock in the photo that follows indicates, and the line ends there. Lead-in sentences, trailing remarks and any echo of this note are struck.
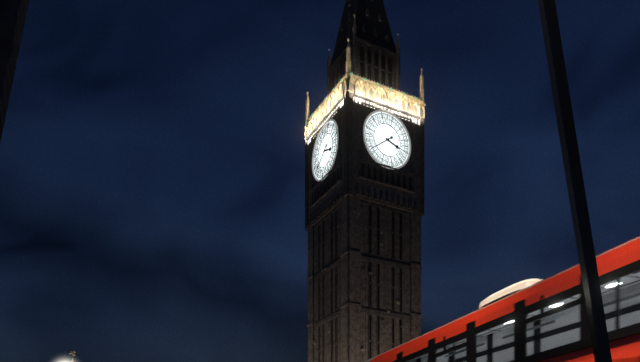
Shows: 3:39
